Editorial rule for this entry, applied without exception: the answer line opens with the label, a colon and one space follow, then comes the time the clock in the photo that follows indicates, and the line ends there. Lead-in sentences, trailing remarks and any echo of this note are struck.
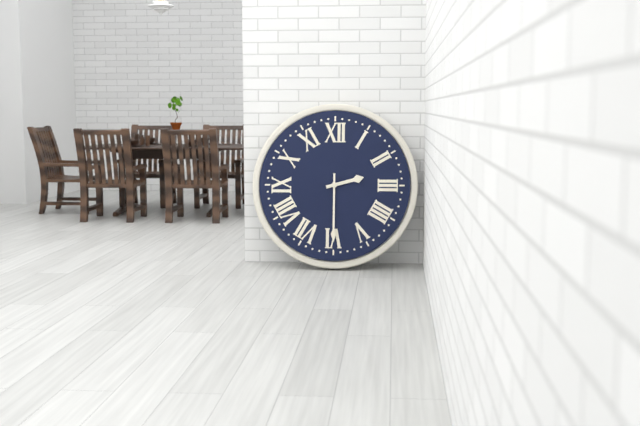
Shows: 2:30
